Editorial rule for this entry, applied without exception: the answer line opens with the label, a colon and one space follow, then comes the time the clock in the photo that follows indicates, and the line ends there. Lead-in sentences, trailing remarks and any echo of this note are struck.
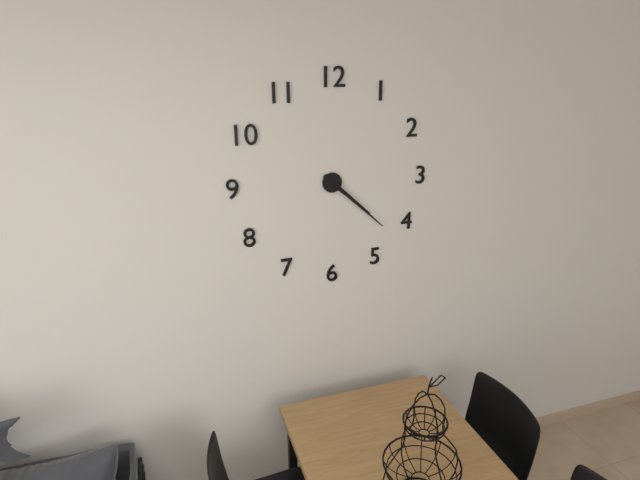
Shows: 4:22
